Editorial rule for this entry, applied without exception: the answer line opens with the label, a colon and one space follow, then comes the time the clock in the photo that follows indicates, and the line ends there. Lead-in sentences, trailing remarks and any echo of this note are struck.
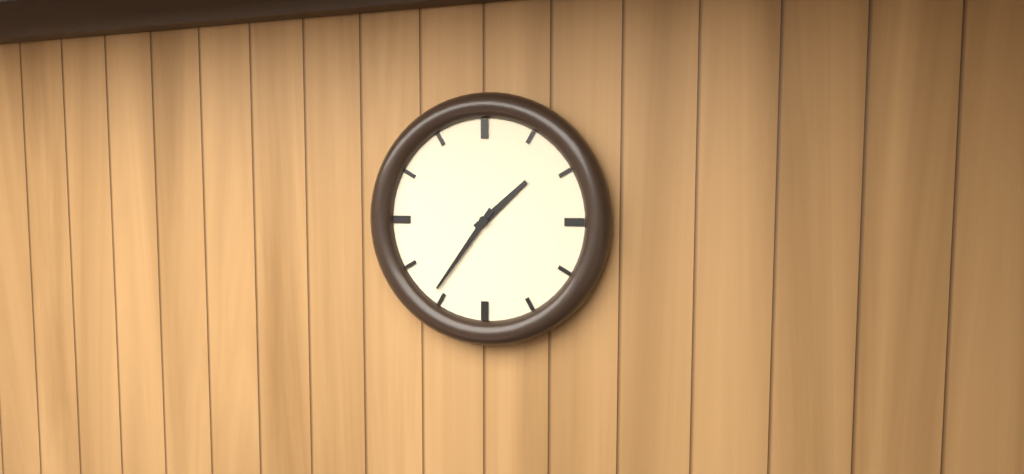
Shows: 1:36
